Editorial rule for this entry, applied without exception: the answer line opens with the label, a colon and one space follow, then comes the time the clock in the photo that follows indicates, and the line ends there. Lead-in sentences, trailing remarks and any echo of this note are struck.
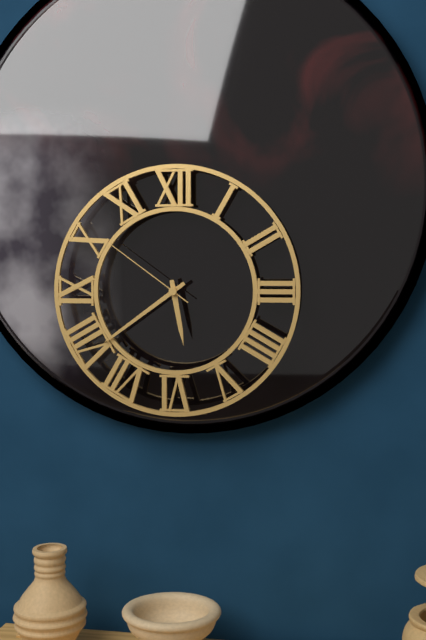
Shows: 5:39:51
